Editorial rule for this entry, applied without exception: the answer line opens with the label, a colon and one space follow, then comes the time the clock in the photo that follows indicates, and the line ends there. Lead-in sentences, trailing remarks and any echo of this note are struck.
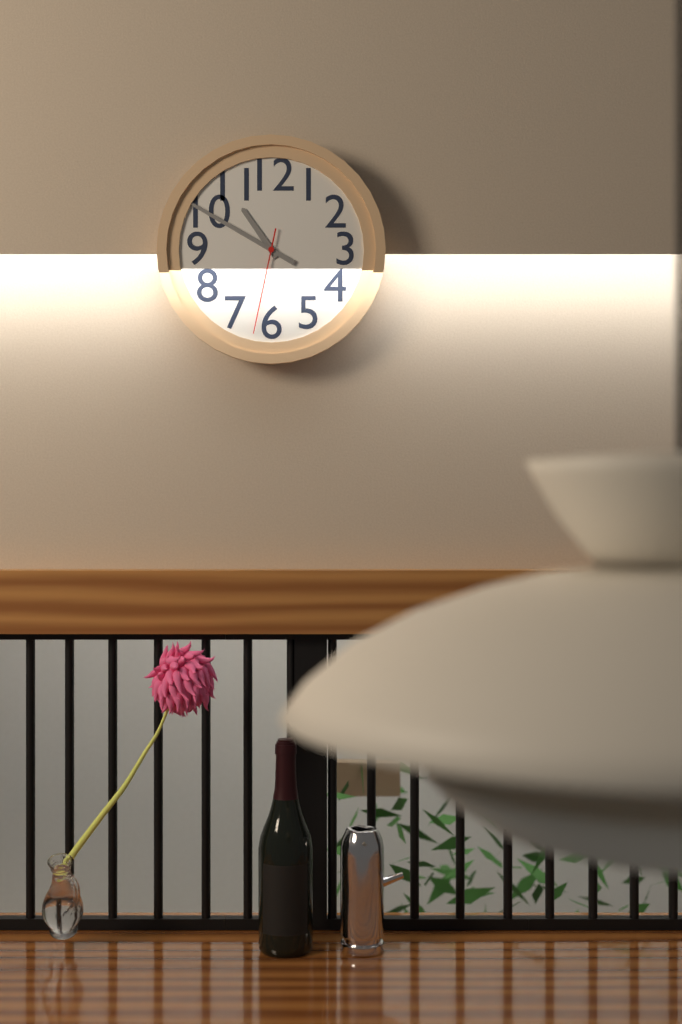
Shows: 10:50:32
